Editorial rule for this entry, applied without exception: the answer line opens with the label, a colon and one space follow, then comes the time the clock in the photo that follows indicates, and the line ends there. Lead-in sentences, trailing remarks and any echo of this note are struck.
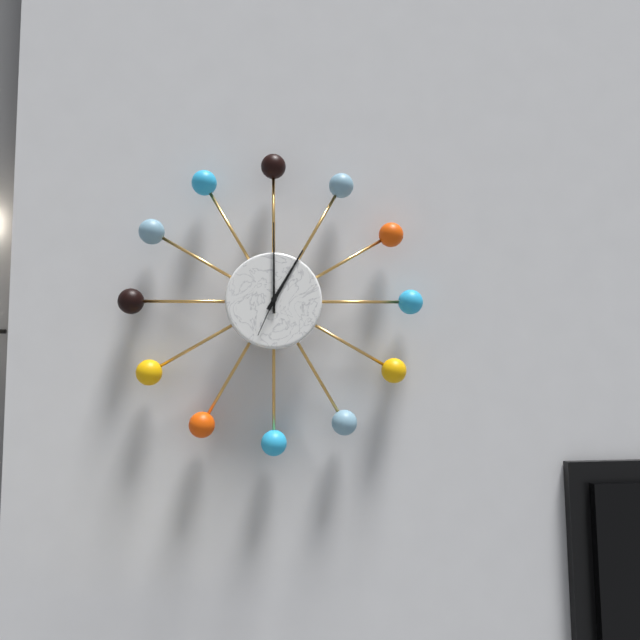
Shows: 1:00
